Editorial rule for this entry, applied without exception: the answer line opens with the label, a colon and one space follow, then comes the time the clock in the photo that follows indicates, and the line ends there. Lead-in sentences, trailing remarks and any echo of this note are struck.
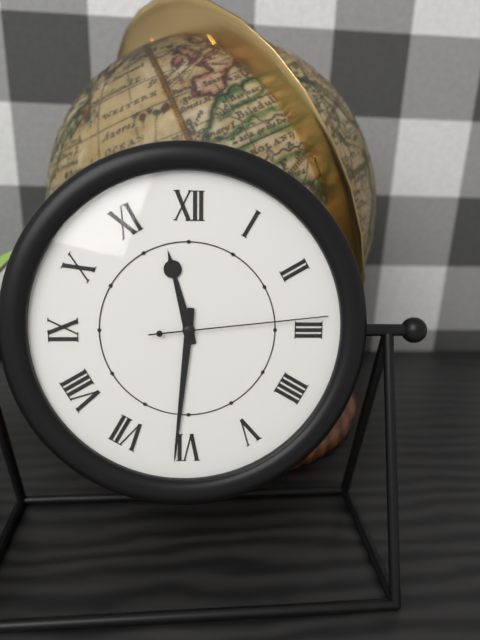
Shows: 11:31:14
